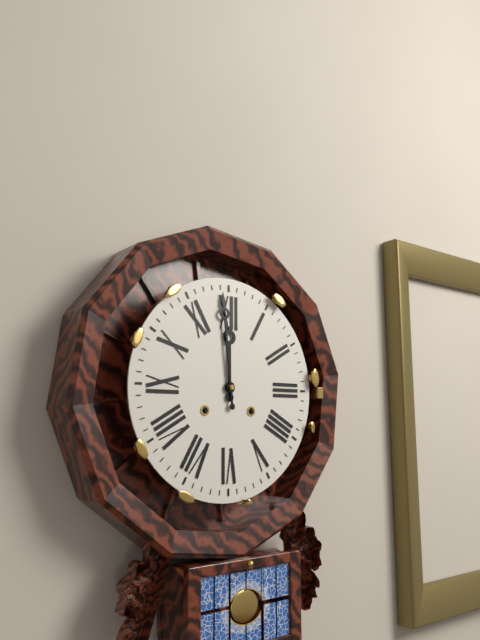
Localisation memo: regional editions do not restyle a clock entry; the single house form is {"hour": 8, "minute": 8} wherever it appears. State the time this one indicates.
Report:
{"hour": 11, "minute": 59}
